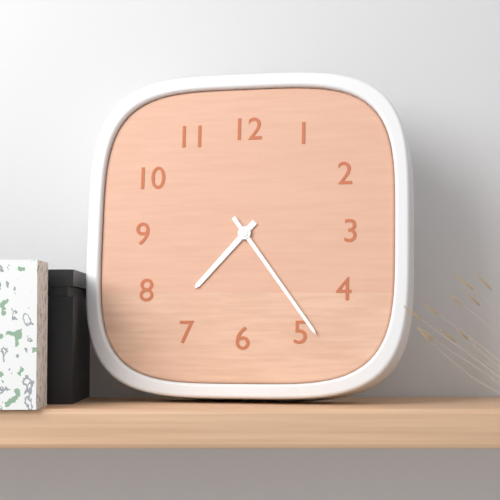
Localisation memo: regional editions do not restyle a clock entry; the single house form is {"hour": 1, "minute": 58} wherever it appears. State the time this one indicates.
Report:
{"hour": 7, "minute": 24}
